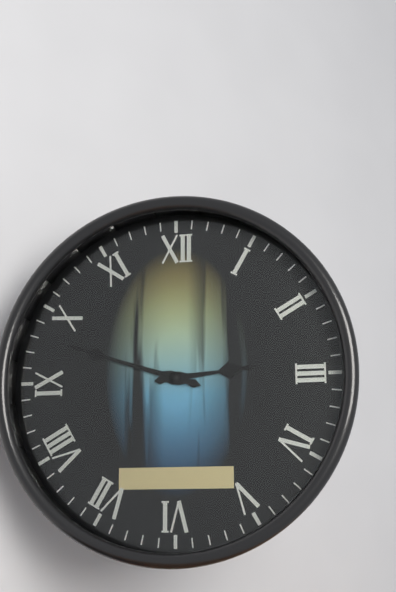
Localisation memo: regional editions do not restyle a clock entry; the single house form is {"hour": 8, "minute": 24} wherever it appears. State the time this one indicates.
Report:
{"hour": 2, "minute": 48}
